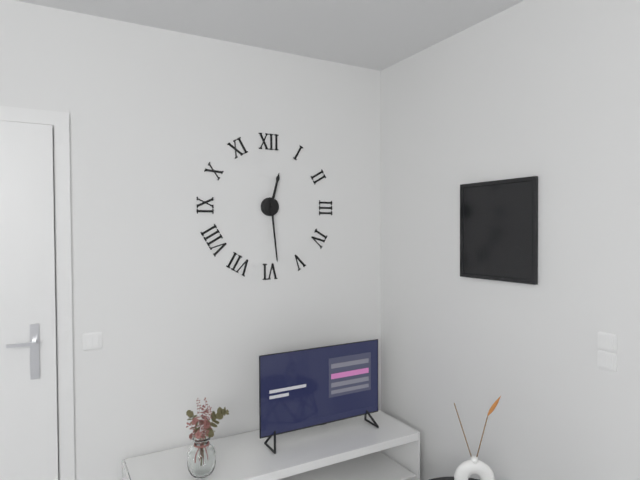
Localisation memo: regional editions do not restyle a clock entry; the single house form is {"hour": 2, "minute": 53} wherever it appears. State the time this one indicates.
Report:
{"hour": 12, "minute": 29}
